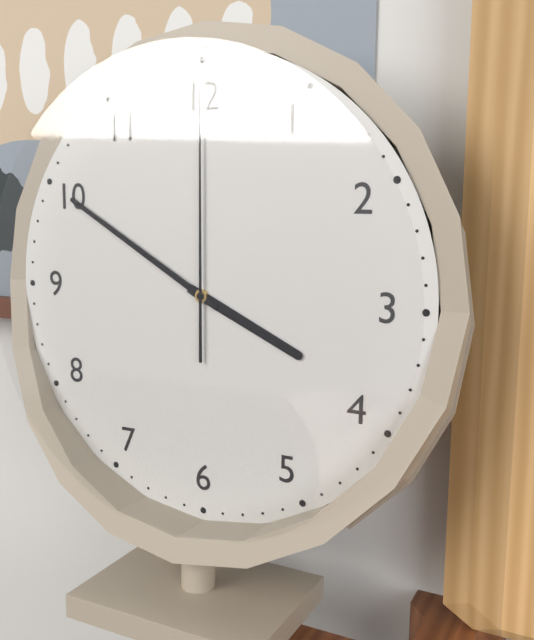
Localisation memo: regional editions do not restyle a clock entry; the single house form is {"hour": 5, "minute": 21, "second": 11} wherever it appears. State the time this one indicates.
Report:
{"hour": 3, "minute": 50, "second": 0}
